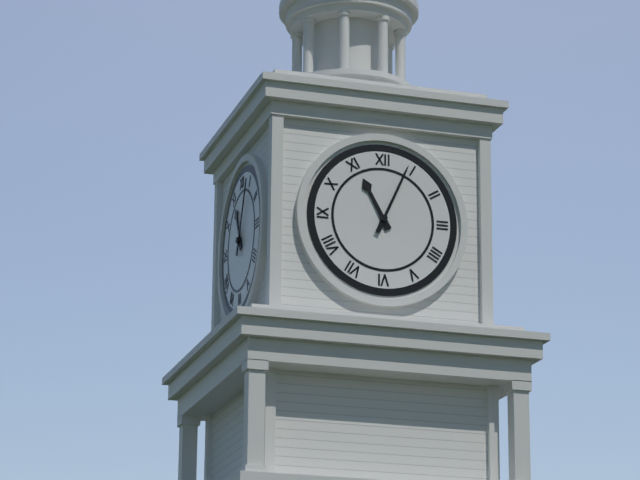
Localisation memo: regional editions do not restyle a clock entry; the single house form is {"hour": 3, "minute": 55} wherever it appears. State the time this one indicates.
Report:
{"hour": 11, "minute": 4}
